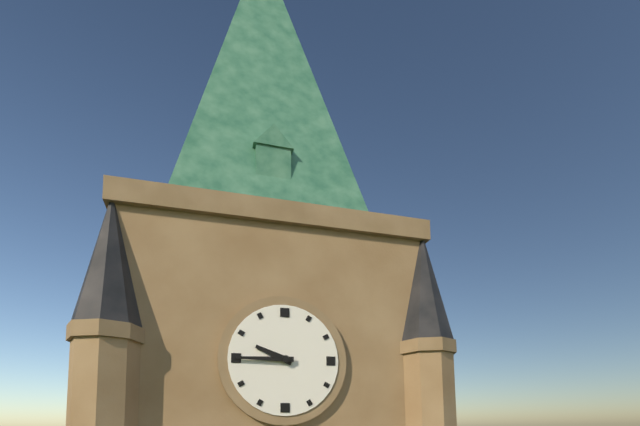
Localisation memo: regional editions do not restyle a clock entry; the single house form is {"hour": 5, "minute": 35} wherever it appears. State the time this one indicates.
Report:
{"hour": 9, "minute": 45}
